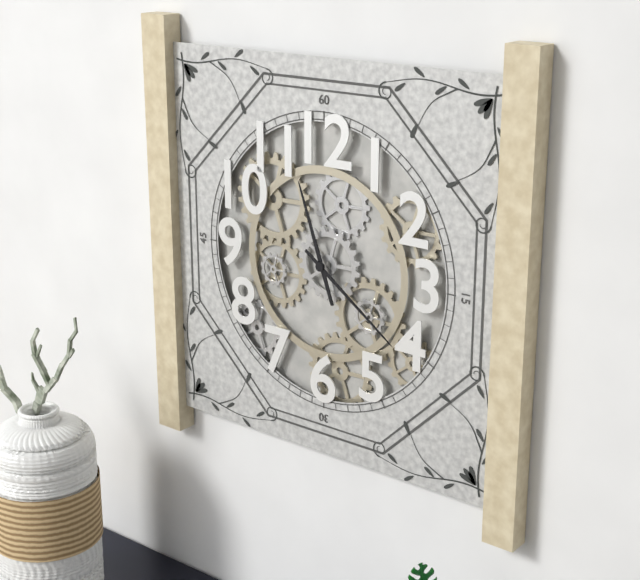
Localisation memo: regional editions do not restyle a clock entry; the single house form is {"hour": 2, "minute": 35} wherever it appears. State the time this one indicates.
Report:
{"hour": 11, "minute": 21}
